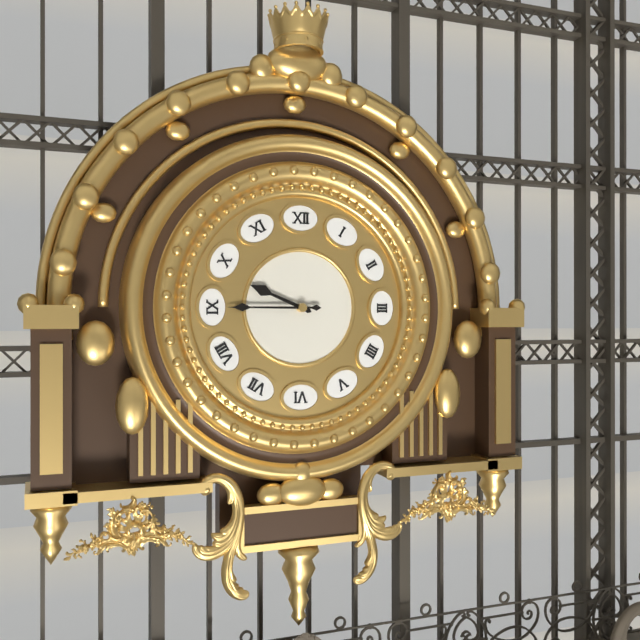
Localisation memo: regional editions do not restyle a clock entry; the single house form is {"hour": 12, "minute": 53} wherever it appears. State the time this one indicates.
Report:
{"hour": 9, "minute": 45}
